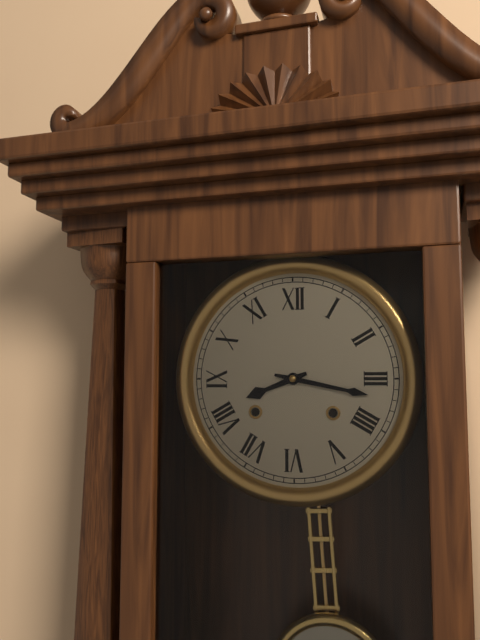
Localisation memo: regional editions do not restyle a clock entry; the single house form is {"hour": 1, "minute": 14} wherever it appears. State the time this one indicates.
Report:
{"hour": 8, "minute": 17}
